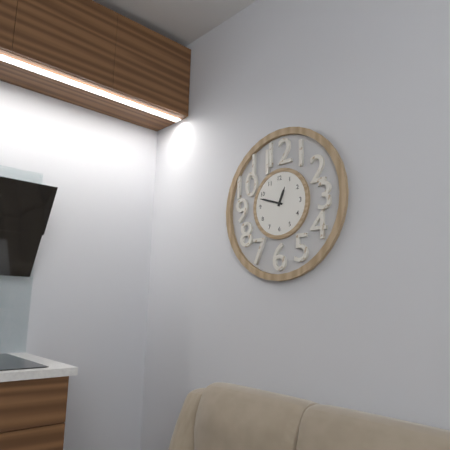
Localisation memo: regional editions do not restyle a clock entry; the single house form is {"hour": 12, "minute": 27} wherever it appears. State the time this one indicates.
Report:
{"hour": 12, "minute": 48}
